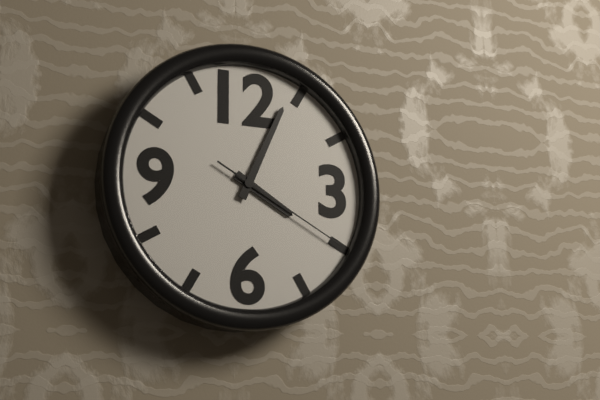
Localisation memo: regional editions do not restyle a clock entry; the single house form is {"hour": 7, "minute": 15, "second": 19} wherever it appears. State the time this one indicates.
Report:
{"hour": 4, "minute": 4, "second": 20}
